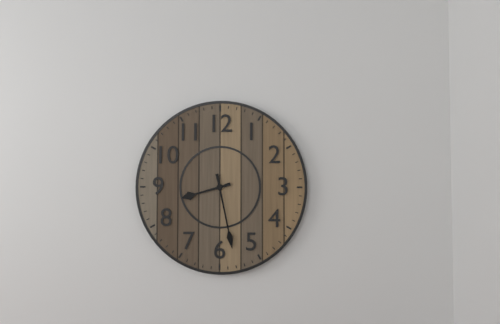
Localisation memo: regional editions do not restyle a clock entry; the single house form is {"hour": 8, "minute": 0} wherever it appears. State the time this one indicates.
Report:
{"hour": 8, "minute": 28}
